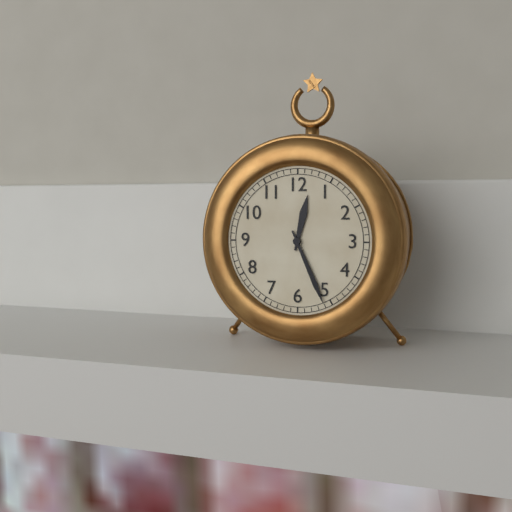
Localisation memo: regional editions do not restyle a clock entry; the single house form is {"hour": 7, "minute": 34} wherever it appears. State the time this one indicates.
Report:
{"hour": 12, "minute": 26}
